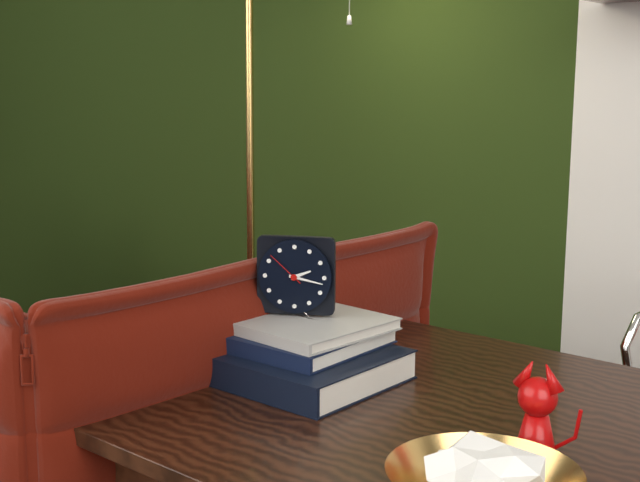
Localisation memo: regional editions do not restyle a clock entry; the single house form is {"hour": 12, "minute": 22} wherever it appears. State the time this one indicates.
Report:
{"hour": 2, "minute": 17}
